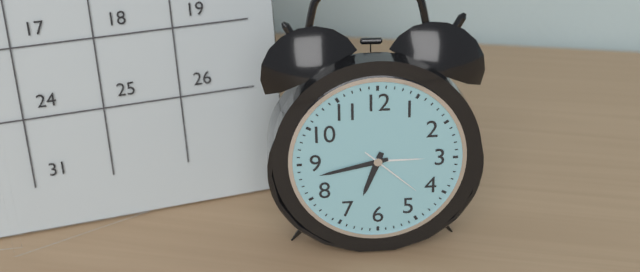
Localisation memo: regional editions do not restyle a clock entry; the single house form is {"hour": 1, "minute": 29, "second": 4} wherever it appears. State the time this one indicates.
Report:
{"hour": 6, "minute": 43, "second": 22}
